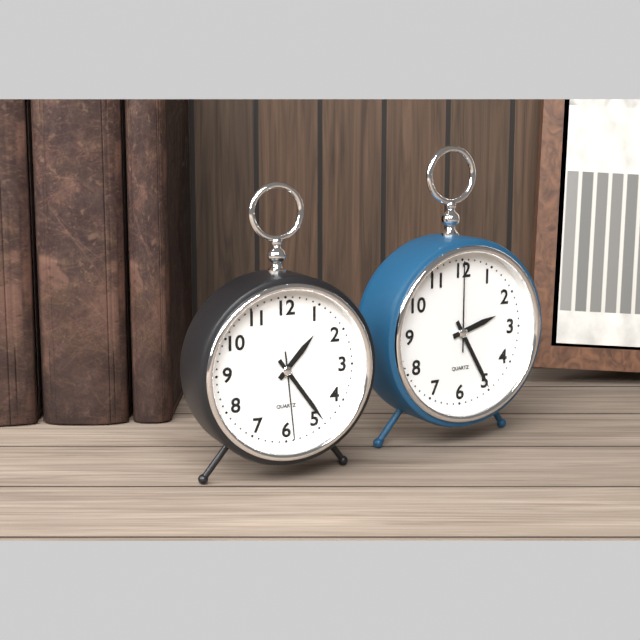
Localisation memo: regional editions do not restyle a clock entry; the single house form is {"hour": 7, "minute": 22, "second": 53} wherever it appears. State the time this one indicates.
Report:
{"hour": 1, "minute": 24, "second": 29}
